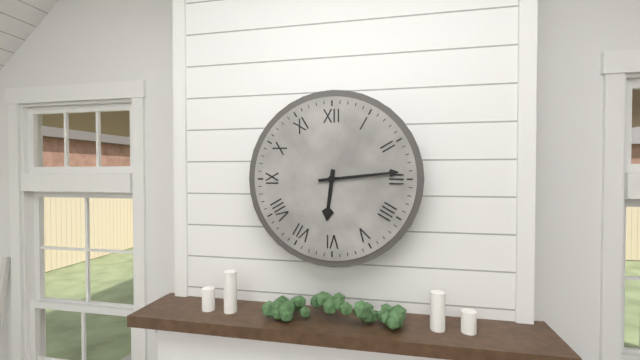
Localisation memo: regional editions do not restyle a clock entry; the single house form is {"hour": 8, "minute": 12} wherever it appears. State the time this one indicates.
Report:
{"hour": 6, "minute": 14}
